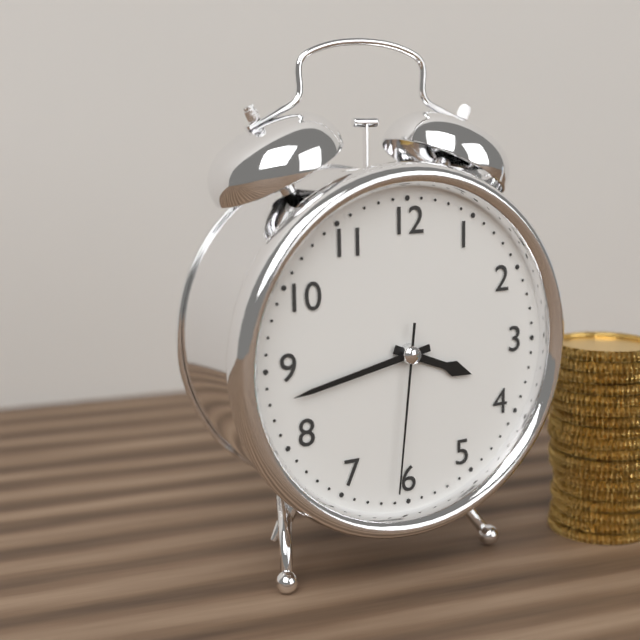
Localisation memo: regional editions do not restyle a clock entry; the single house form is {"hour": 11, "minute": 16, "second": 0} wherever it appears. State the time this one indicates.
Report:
{"hour": 3, "minute": 43, "second": 31}
